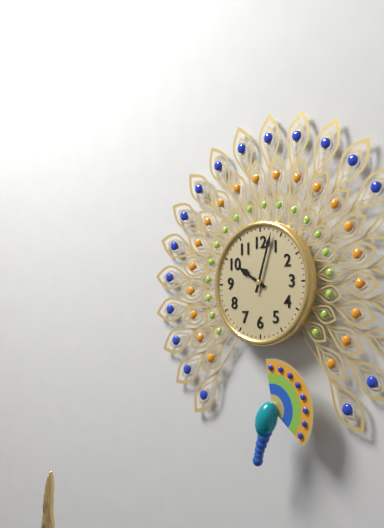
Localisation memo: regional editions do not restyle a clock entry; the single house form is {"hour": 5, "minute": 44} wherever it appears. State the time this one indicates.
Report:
{"hour": 10, "minute": 3}
